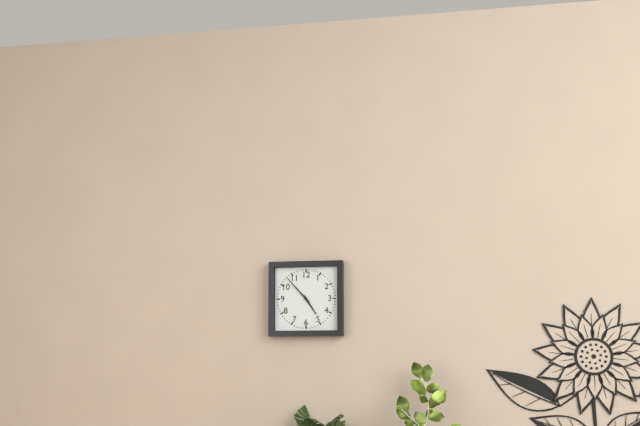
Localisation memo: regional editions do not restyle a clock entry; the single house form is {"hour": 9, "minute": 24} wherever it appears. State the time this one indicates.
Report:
{"hour": 4, "minute": 53}
